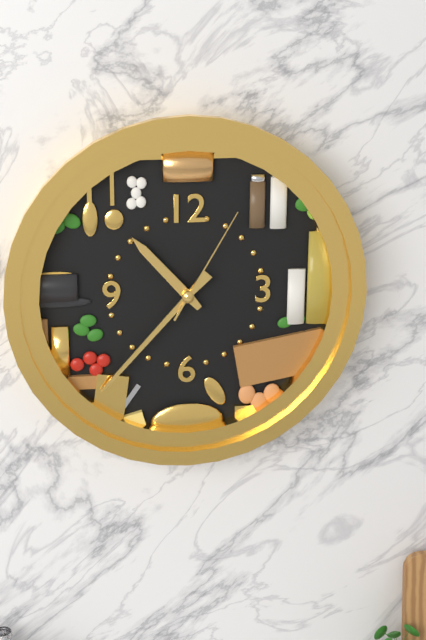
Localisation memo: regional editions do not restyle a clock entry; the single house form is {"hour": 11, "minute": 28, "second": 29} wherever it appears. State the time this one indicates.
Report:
{"hour": 10, "minute": 37, "second": 5}
